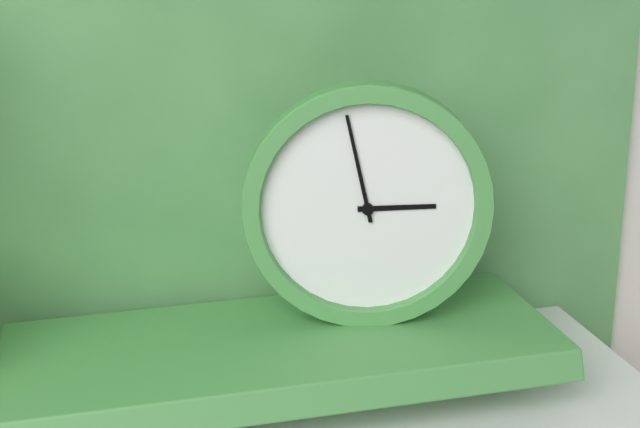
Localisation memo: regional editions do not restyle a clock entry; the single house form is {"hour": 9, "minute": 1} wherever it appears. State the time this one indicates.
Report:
{"hour": 2, "minute": 58}
